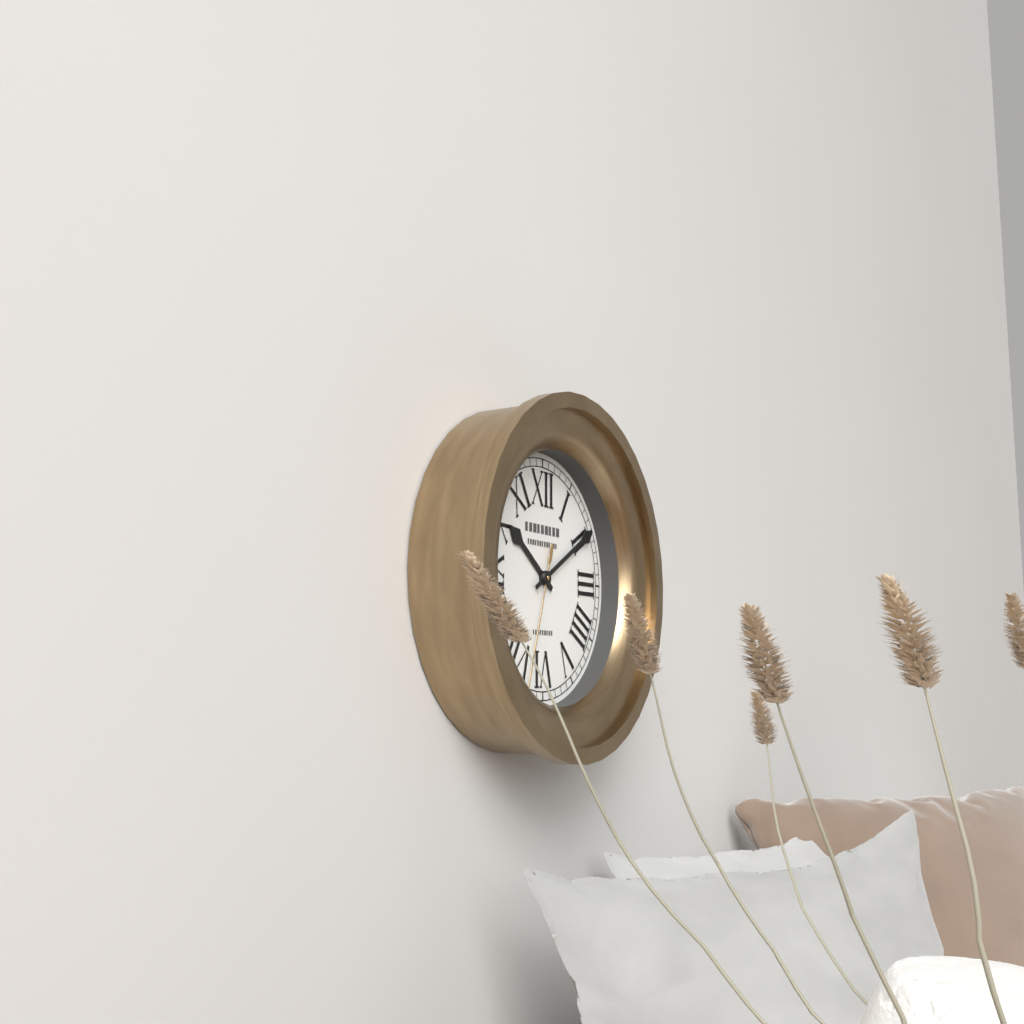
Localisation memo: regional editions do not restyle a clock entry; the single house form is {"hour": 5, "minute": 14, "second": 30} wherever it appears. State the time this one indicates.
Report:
{"hour": 10, "minute": 10, "second": 33}
